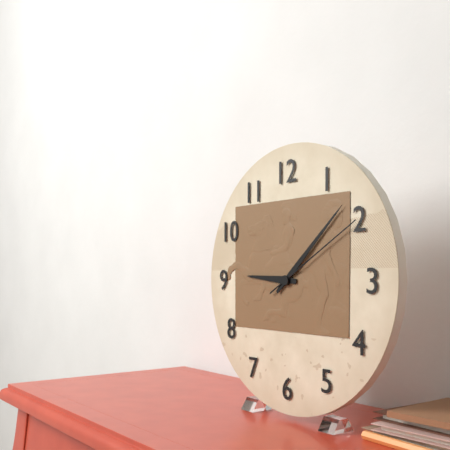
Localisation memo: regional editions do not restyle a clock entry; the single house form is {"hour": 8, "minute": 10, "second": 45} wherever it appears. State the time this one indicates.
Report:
{"hour": 9, "minute": 8, "second": 10}
